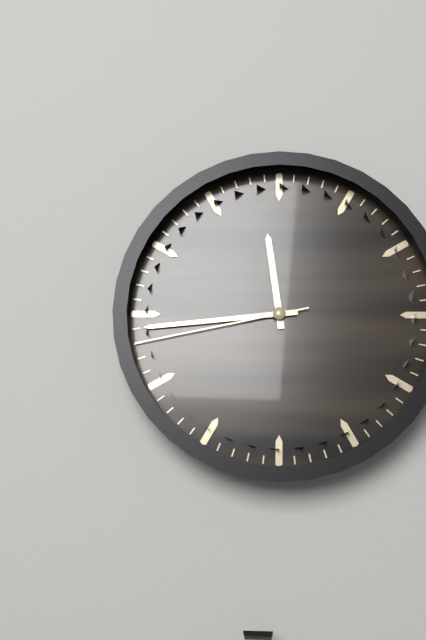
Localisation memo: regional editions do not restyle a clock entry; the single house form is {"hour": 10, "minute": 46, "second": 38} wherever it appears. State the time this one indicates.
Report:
{"hour": 11, "minute": 44, "second": 43}
